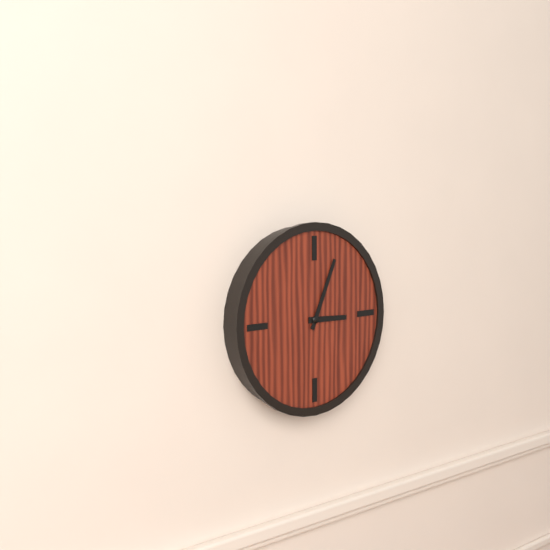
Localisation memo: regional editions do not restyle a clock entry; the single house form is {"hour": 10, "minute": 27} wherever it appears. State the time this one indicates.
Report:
{"hour": 3, "minute": 4}
